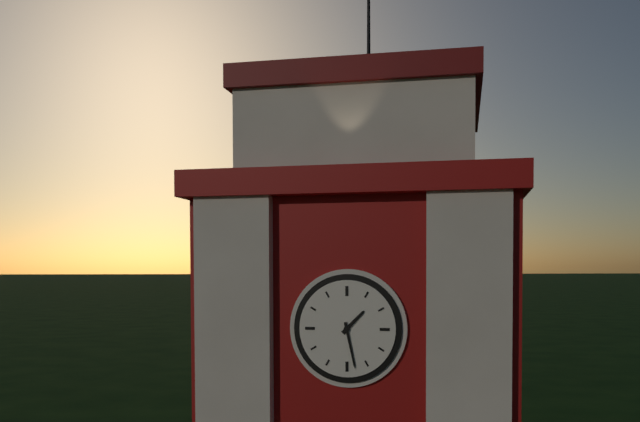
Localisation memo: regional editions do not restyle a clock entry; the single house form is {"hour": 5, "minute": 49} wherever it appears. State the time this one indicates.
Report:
{"hour": 1, "minute": 28}
